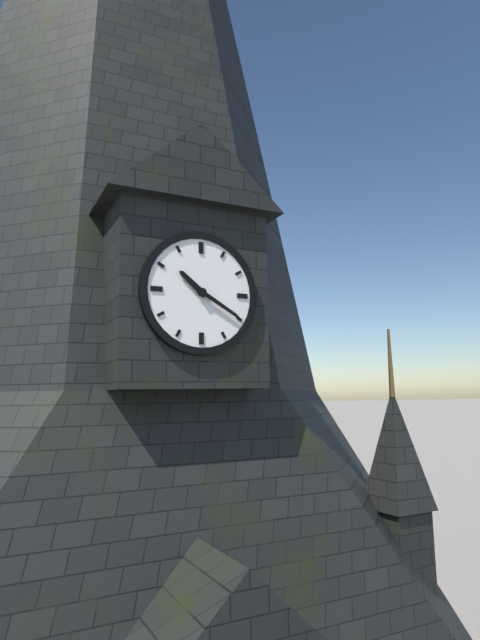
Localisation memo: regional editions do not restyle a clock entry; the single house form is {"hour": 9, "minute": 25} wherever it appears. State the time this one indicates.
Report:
{"hour": 10, "minute": 20}
